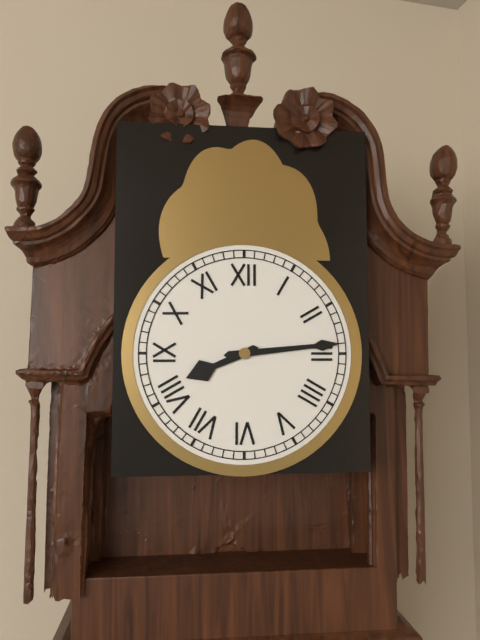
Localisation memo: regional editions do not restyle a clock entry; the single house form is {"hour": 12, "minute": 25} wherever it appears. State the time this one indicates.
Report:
{"hour": 8, "minute": 14}
